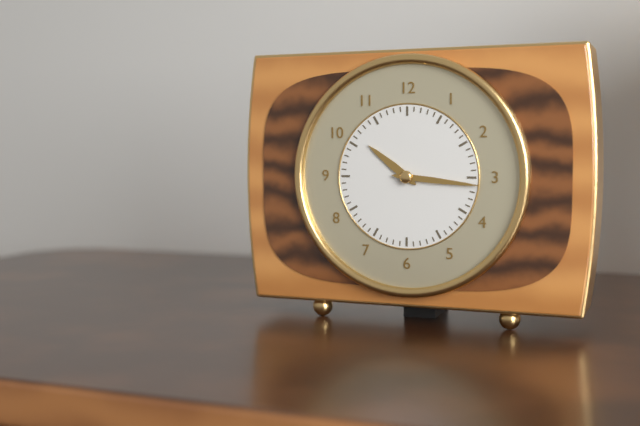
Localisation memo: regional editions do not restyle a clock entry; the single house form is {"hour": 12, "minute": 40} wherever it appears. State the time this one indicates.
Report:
{"hour": 10, "minute": 16}
